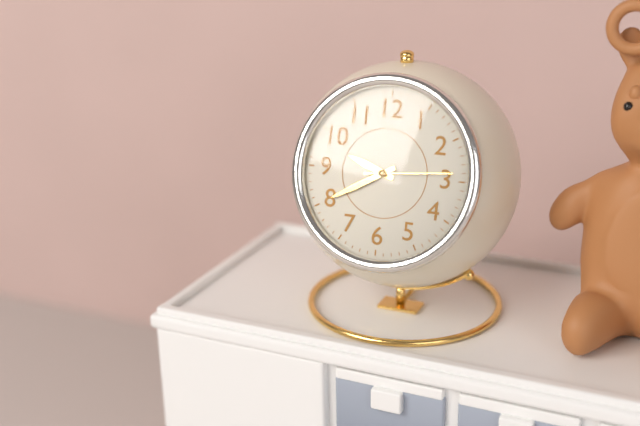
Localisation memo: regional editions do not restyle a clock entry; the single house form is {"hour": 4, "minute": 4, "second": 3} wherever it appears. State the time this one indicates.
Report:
{"hour": 9, "minute": 40, "second": 14}
